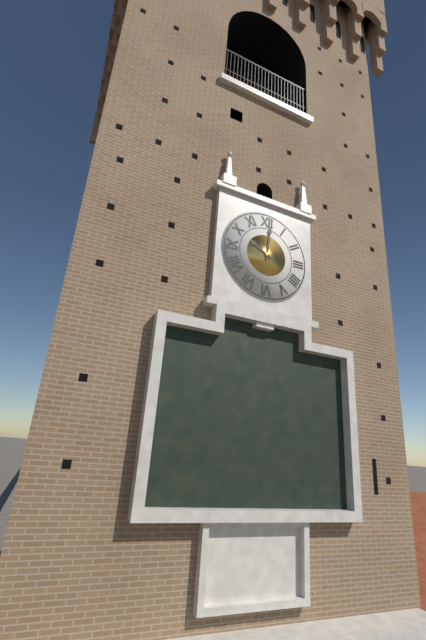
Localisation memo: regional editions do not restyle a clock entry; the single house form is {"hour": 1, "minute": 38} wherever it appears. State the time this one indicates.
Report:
{"hour": 10, "minute": 1}
